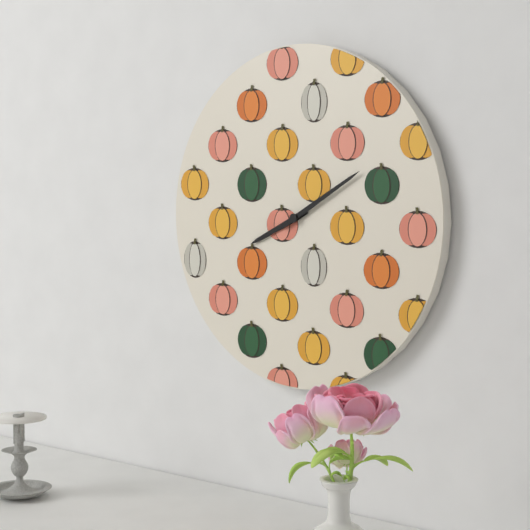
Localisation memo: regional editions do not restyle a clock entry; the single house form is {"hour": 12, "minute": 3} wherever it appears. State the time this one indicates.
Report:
{"hour": 8, "minute": 10}
